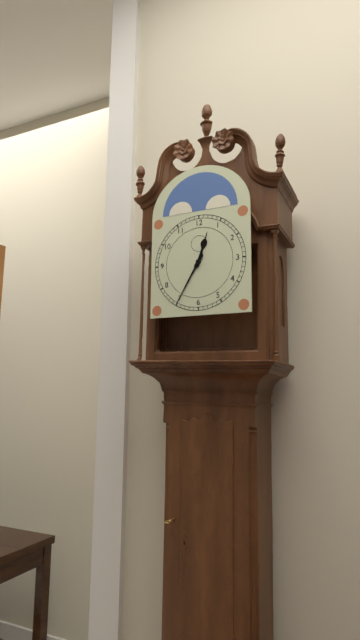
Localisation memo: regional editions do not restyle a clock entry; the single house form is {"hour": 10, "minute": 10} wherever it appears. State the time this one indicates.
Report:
{"hour": 12, "minute": 35}
